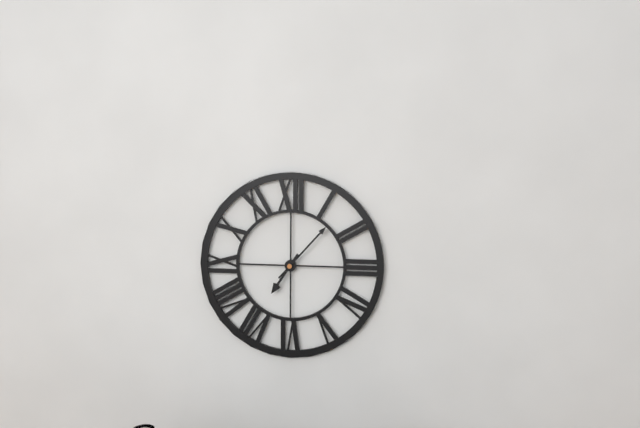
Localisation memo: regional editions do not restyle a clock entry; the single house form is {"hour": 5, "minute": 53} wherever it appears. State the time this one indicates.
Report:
{"hour": 7, "minute": 7}
